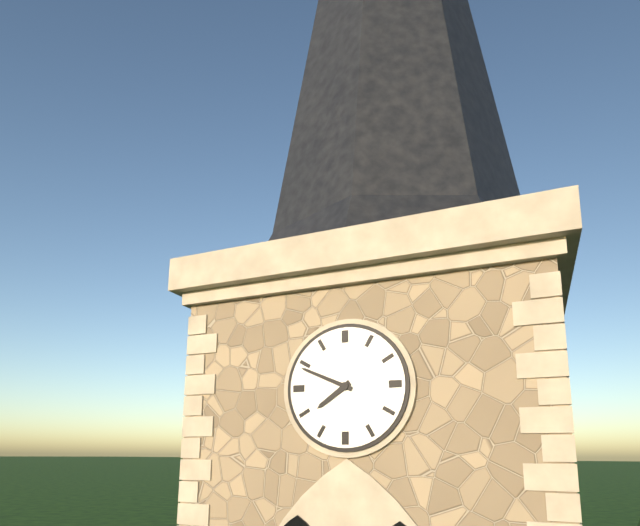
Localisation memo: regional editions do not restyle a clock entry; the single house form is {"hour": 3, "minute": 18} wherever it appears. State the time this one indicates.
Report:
{"hour": 7, "minute": 49}
